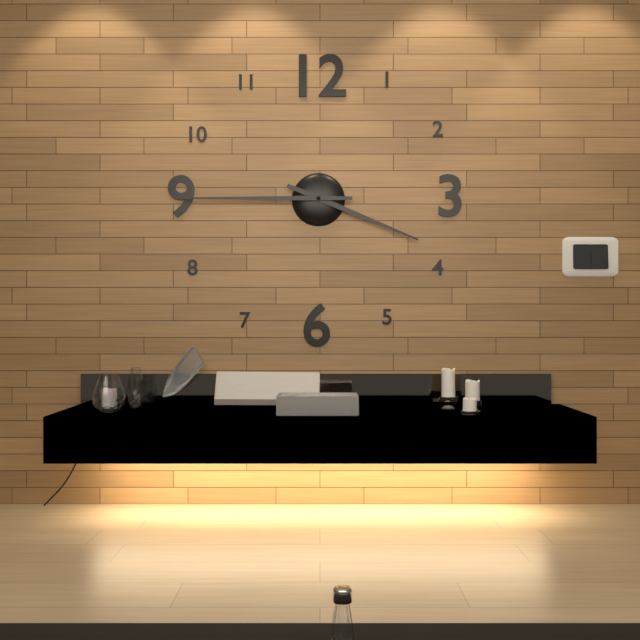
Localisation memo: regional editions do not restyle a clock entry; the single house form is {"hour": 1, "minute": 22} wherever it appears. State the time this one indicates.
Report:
{"hour": 3, "minute": 45}
